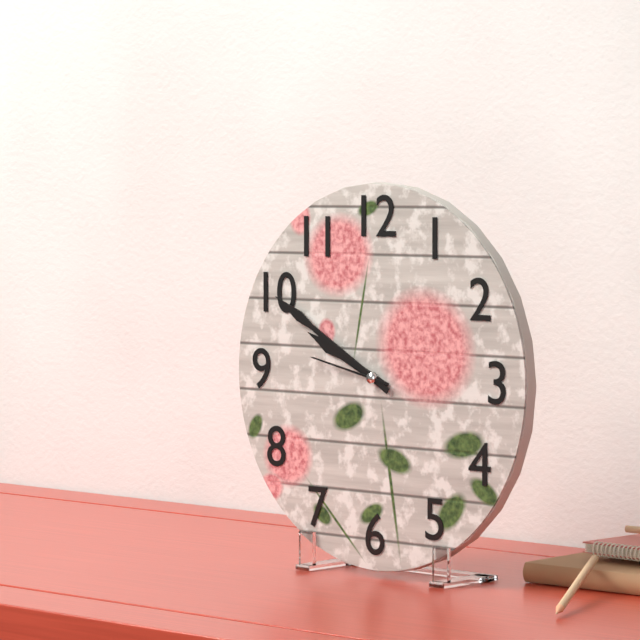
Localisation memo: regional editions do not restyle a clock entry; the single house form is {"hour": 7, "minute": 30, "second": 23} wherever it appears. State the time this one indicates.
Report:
{"hour": 9, "minute": 50, "second": 47}
